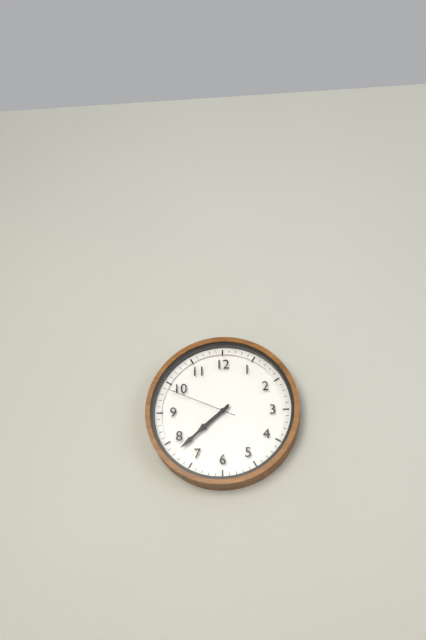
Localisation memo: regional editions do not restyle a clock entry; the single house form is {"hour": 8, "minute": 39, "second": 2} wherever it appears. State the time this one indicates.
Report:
{"hour": 7, "minute": 38, "second": 49}
